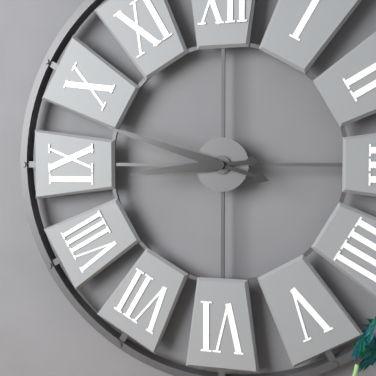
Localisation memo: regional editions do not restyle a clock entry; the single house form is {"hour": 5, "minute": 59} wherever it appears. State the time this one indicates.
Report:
{"hour": 8, "minute": 48}
